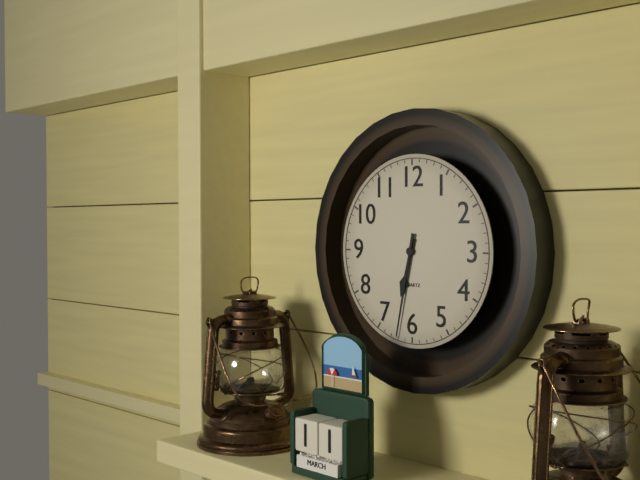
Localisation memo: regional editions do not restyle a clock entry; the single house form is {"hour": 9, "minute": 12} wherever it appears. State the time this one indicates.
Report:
{"hour": 6, "minute": 32}
